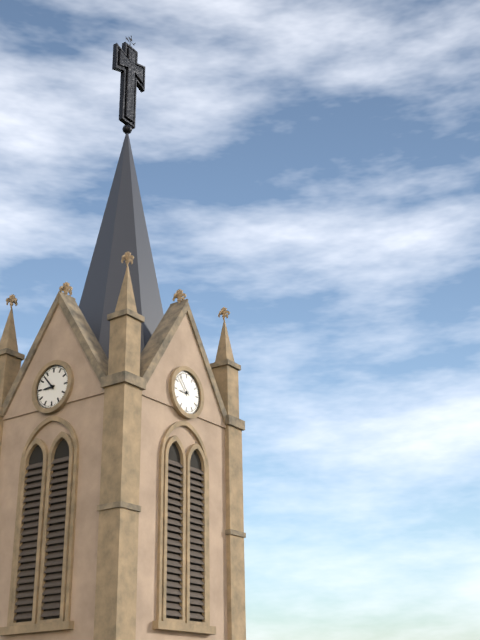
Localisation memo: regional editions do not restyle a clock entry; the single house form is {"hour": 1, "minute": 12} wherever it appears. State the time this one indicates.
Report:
{"hour": 8, "minute": 53}
